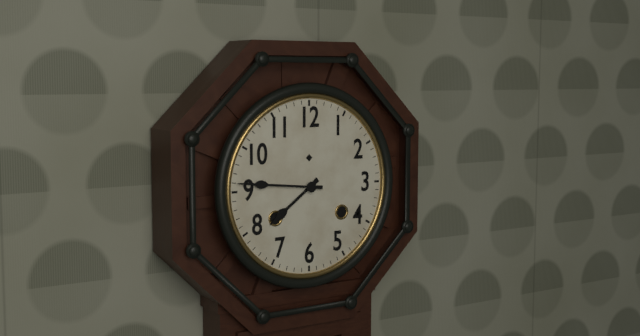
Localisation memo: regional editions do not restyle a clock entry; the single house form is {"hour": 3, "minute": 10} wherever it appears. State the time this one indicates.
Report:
{"hour": 7, "minute": 46}
